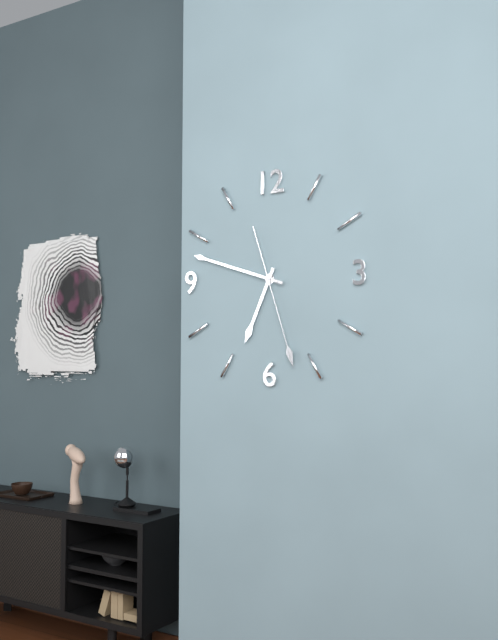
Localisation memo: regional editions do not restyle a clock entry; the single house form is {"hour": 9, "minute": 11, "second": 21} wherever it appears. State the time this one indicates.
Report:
{"hour": 6, "minute": 48, "second": 27}
